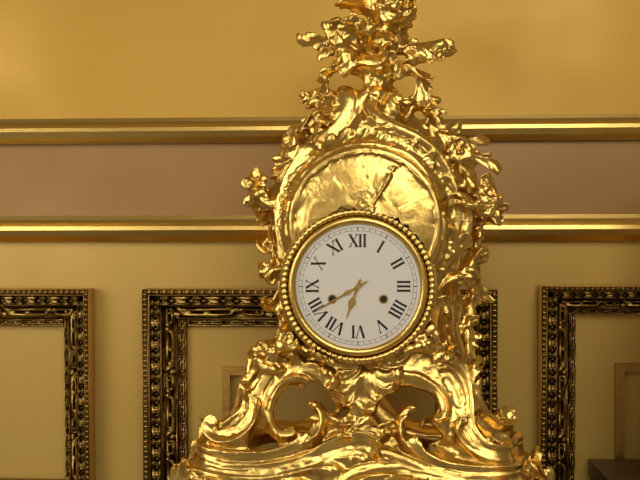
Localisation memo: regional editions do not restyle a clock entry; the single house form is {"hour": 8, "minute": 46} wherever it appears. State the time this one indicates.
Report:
{"hour": 6, "minute": 40}
